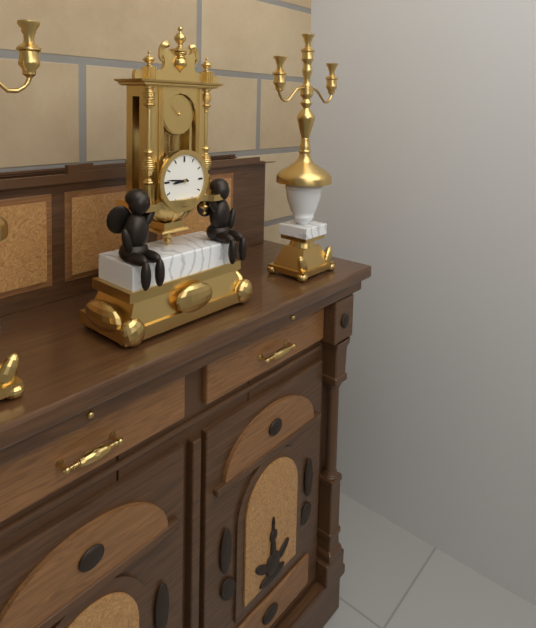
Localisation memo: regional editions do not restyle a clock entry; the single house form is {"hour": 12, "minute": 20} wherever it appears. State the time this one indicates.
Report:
{"hour": 8, "minute": 46}
